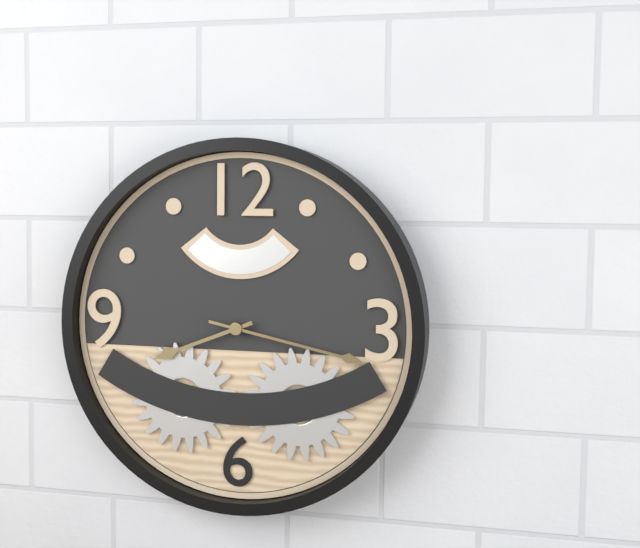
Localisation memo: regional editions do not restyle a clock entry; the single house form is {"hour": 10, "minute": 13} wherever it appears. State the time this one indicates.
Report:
{"hour": 8, "minute": 17}
